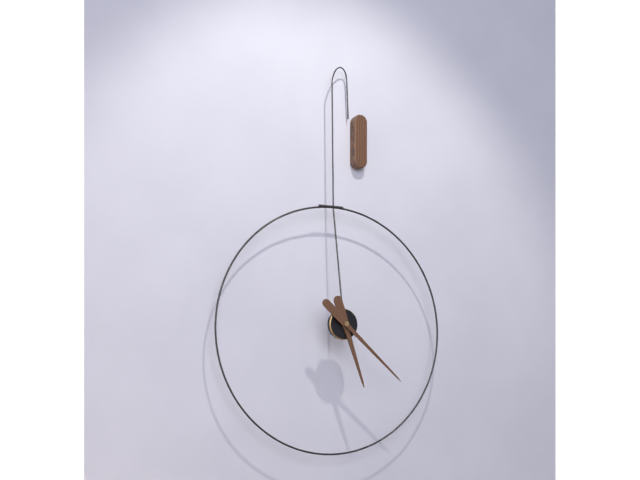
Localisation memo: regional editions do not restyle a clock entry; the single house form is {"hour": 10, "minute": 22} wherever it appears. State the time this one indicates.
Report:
{"hour": 5, "minute": 22}
